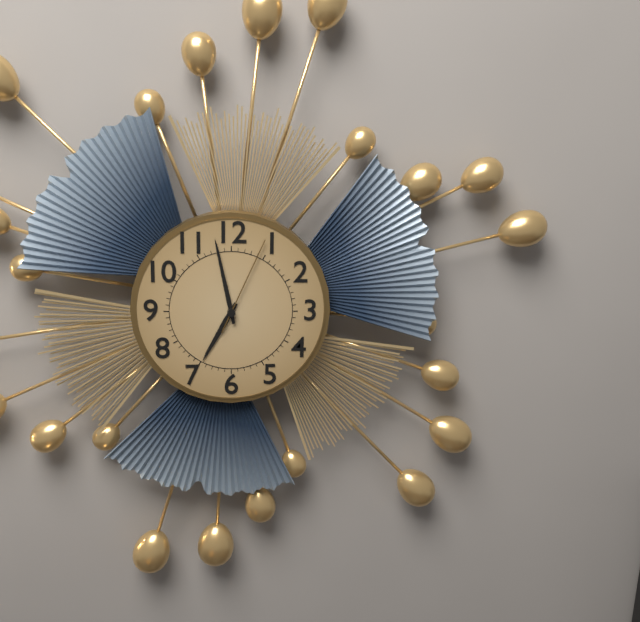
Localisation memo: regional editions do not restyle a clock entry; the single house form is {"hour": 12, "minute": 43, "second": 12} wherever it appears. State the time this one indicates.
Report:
{"hour": 6, "minute": 58, "second": 4}
